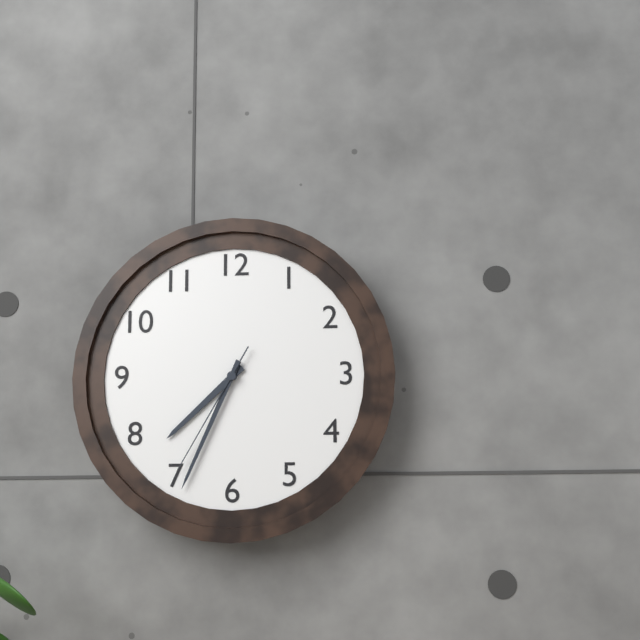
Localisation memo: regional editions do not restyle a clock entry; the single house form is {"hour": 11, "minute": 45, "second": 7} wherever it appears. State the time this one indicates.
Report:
{"hour": 7, "minute": 34, "second": 35}
